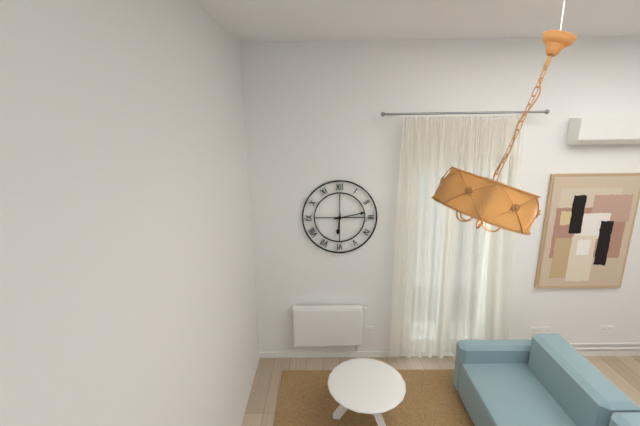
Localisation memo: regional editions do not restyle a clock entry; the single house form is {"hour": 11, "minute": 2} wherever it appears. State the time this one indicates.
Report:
{"hour": 6, "minute": 13}
